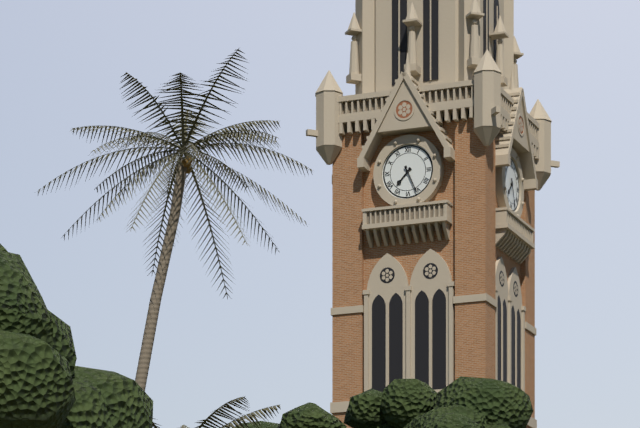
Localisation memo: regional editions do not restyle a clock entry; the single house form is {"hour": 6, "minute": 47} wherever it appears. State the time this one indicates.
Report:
{"hour": 7, "minute": 26}
